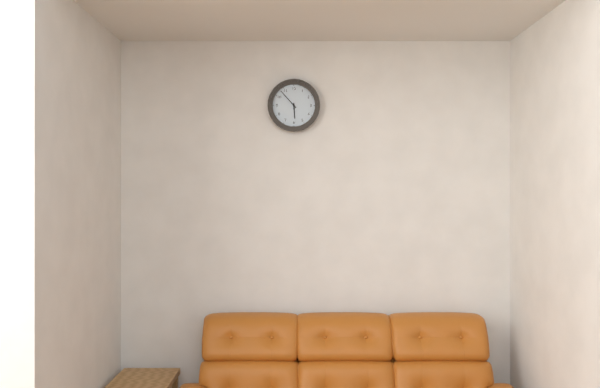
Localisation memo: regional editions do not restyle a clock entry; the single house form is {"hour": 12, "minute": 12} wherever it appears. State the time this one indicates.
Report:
{"hour": 5, "minute": 53}
